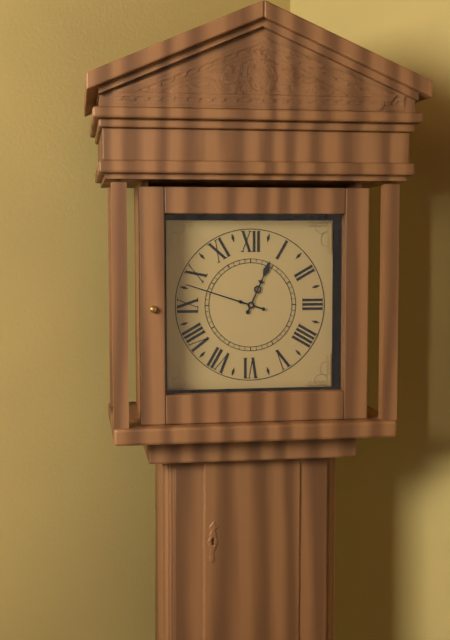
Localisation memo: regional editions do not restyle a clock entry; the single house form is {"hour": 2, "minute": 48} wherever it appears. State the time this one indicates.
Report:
{"hour": 12, "minute": 48}
